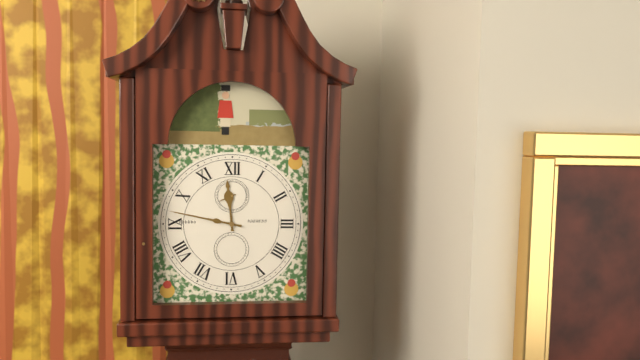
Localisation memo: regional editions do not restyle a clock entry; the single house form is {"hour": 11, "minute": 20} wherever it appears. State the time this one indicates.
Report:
{"hour": 11, "minute": 47}
